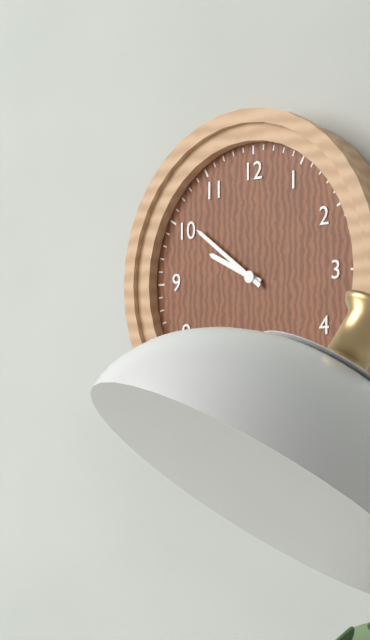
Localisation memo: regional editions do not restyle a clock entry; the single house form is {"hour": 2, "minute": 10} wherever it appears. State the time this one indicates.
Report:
{"hour": 9, "minute": 51}
